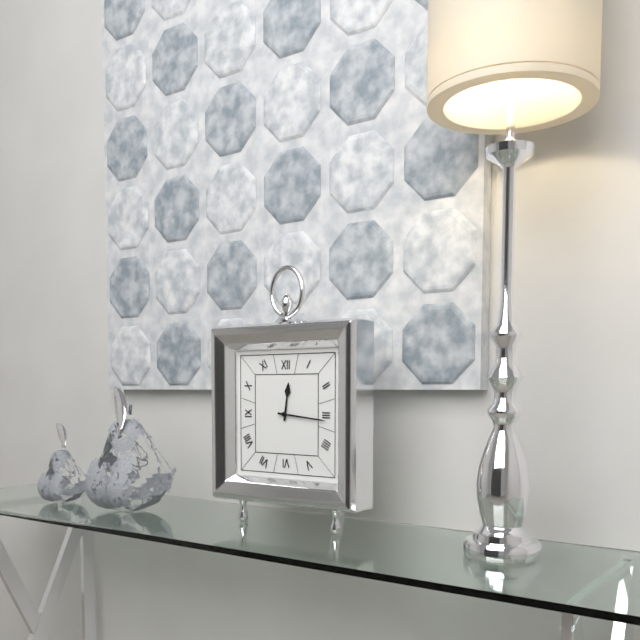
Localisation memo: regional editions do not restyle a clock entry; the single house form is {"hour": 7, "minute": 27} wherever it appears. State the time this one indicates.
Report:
{"hour": 12, "minute": 16}
